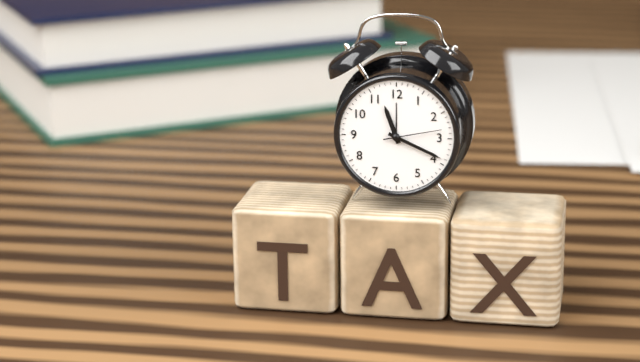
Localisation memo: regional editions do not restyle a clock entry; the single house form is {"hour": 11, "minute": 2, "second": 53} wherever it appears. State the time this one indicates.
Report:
{"hour": 11, "minute": 19, "second": 13}
